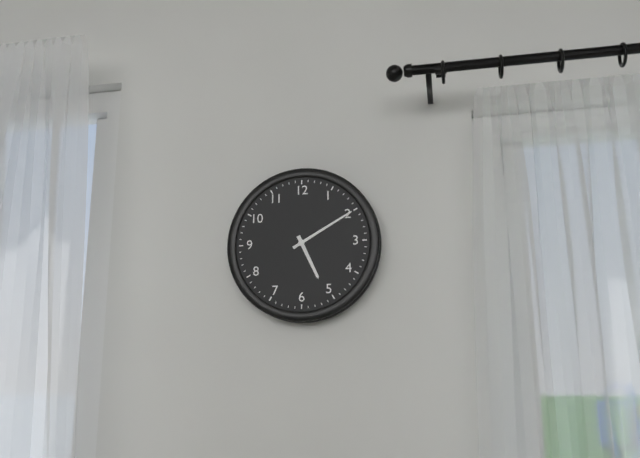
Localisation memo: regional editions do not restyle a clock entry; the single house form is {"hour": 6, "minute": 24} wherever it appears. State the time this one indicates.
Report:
{"hour": 5, "minute": 10}
